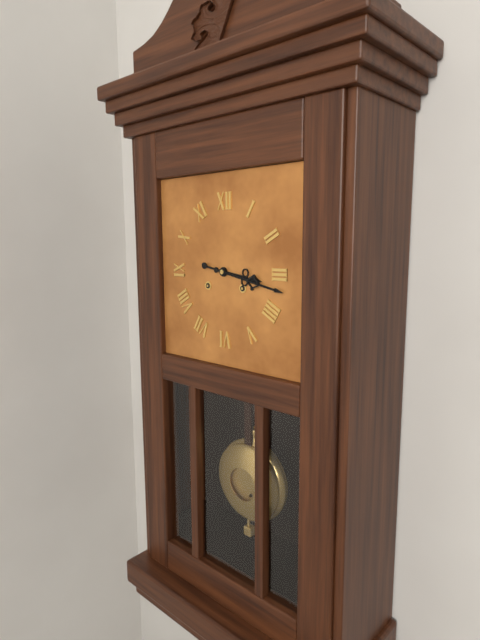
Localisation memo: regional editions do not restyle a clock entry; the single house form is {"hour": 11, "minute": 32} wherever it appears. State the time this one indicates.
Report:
{"hour": 3, "minute": 17}
